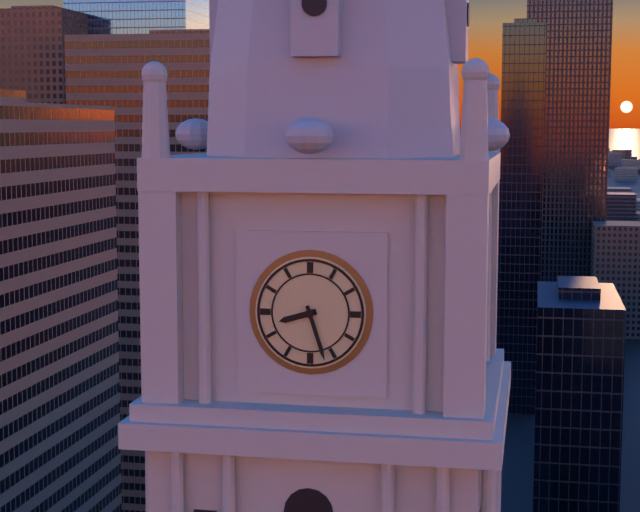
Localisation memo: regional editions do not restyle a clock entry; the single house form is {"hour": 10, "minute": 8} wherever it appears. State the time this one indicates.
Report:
{"hour": 8, "minute": 27}
